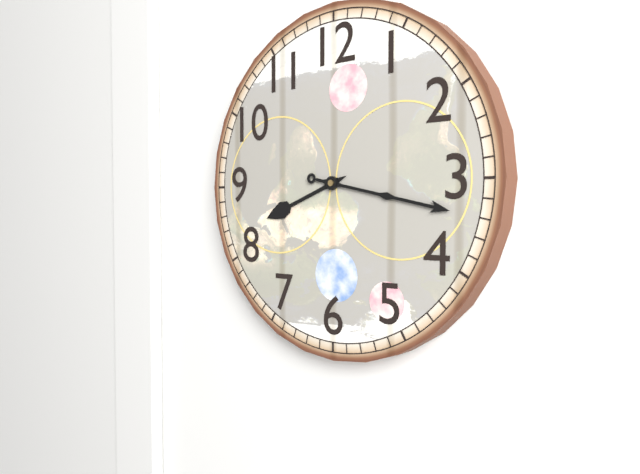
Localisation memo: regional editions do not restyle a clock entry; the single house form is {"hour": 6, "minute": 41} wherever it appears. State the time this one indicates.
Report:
{"hour": 8, "minute": 17}
